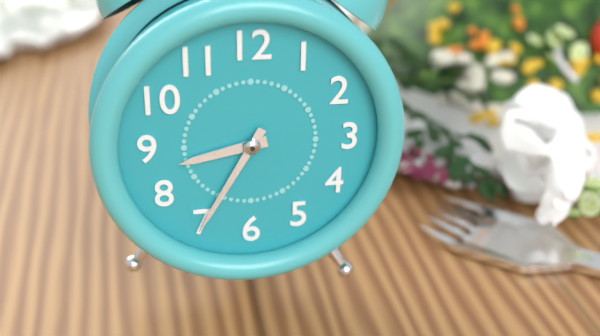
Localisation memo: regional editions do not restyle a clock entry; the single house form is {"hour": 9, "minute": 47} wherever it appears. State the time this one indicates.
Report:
{"hour": 8, "minute": 35}
